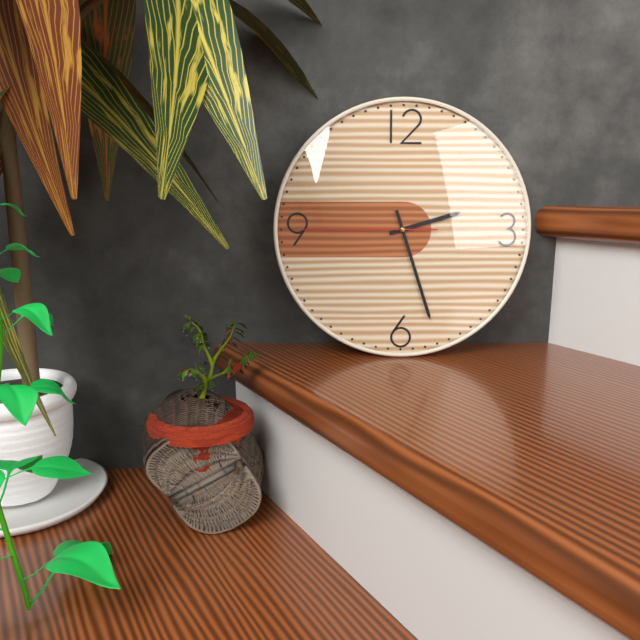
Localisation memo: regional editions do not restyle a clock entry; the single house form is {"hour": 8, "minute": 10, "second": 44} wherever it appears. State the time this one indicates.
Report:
{"hour": 2, "minute": 27, "second": 45}
